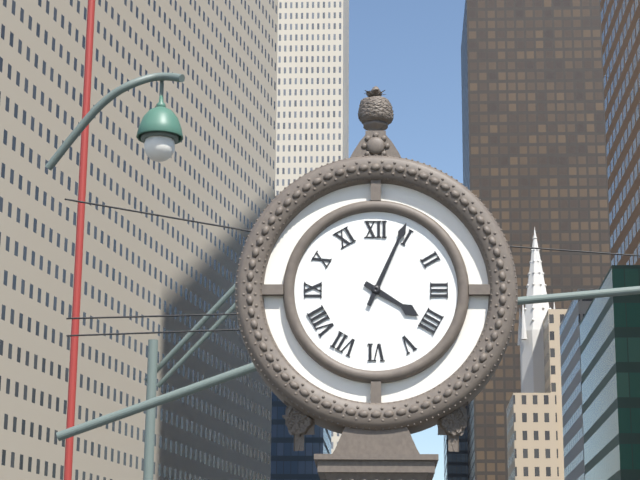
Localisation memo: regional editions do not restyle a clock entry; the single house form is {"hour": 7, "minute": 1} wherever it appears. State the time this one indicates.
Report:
{"hour": 4, "minute": 4}
